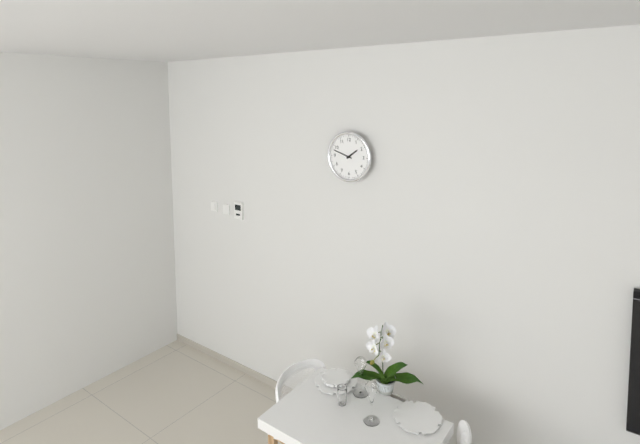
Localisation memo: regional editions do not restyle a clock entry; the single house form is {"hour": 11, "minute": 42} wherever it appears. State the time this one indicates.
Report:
{"hour": 1, "minute": 48}
